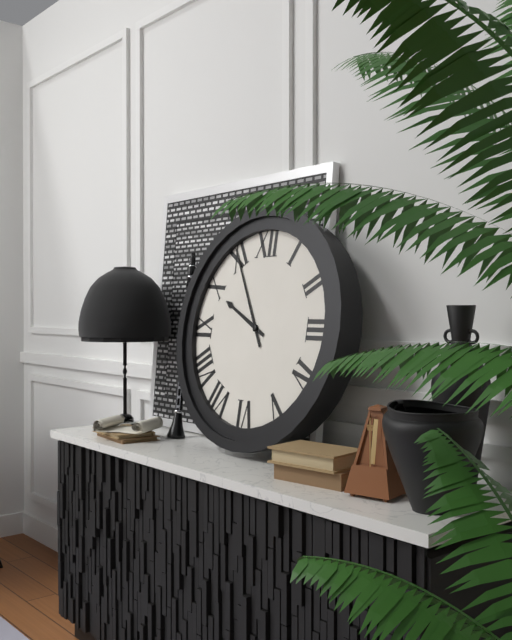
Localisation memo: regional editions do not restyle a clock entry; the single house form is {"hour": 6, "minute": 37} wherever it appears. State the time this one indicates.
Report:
{"hour": 9, "minute": 55}
